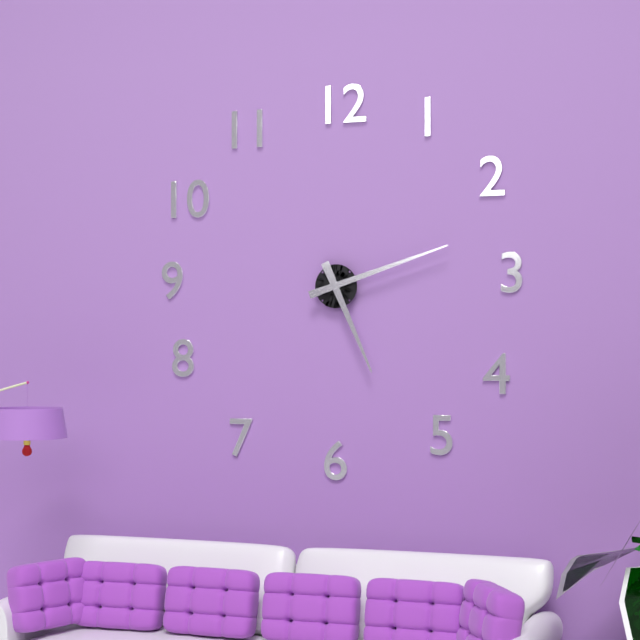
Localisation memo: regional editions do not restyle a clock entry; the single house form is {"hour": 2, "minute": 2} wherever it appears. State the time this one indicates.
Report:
{"hour": 5, "minute": 12}
